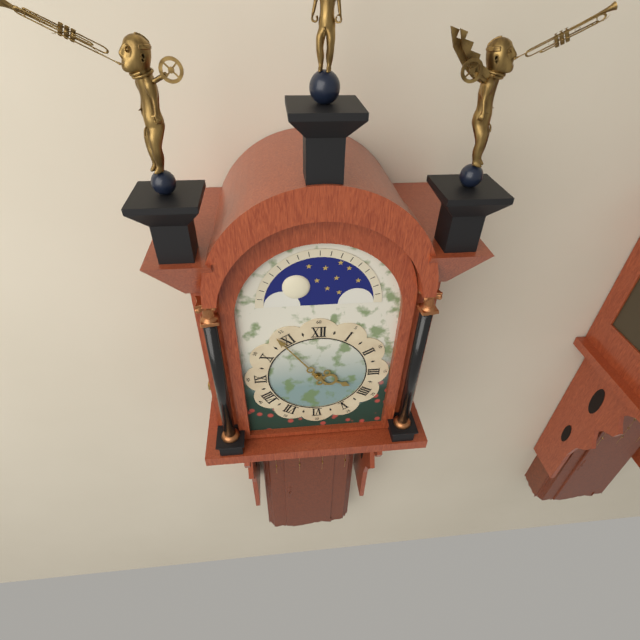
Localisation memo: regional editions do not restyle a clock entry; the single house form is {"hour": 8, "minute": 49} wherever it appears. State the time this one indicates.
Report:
{"hour": 3, "minute": 54}
